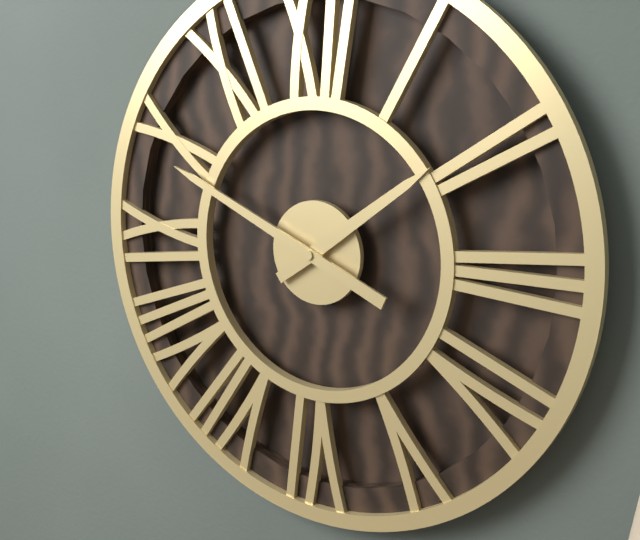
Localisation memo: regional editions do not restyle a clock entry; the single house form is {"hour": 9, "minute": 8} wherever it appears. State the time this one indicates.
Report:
{"hour": 1, "minute": 49}
